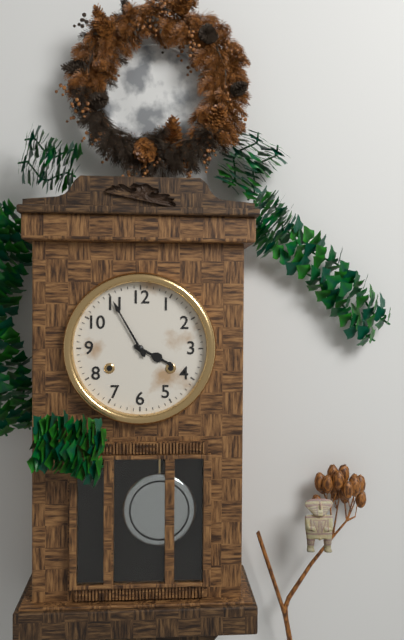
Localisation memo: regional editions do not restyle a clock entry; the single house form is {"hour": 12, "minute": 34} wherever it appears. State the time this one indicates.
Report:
{"hour": 3, "minute": 55}
